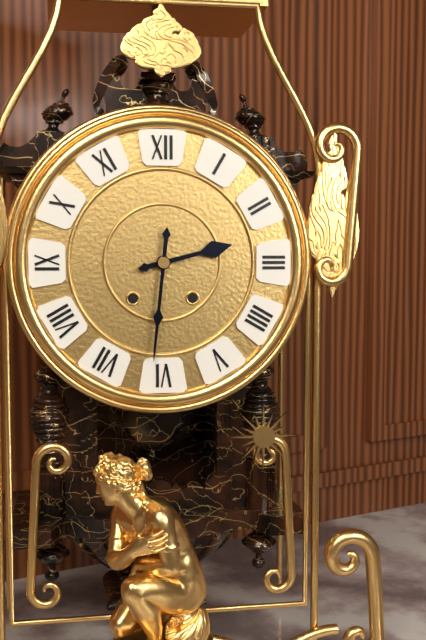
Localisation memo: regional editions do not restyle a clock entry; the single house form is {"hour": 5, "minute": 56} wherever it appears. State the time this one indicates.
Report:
{"hour": 2, "minute": 31}
